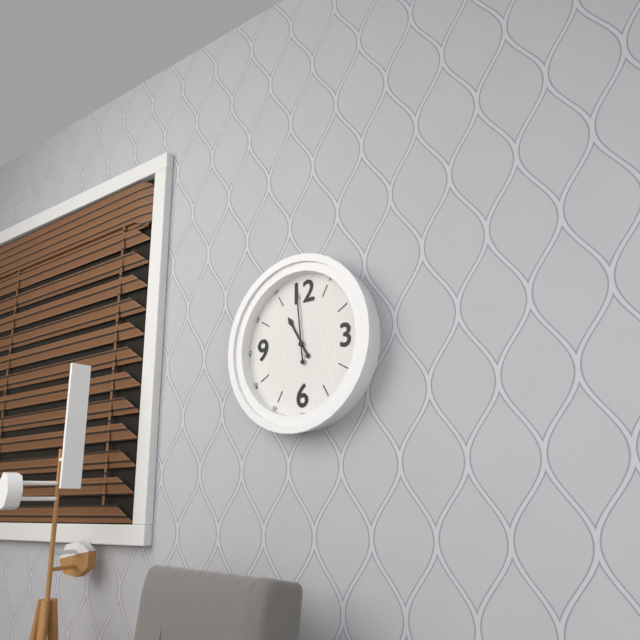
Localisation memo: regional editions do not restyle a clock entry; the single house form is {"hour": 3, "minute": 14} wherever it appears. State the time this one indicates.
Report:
{"hour": 10, "minute": 59}
